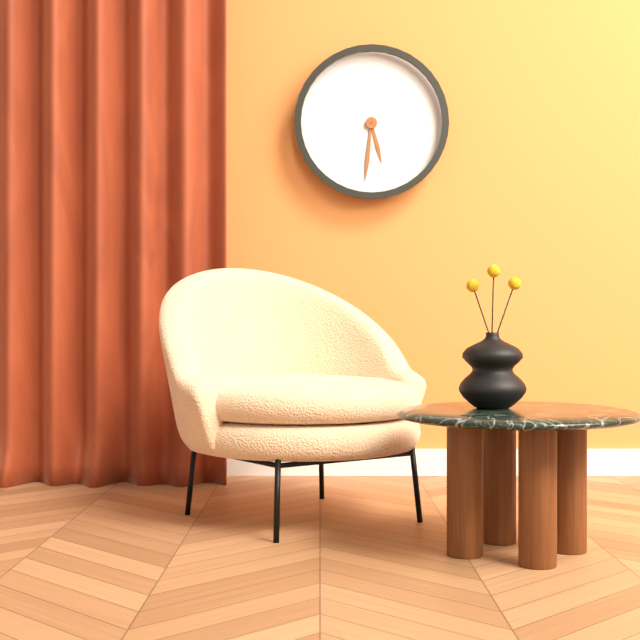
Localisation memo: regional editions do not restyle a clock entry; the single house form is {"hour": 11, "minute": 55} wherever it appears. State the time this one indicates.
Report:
{"hour": 5, "minute": 31}
